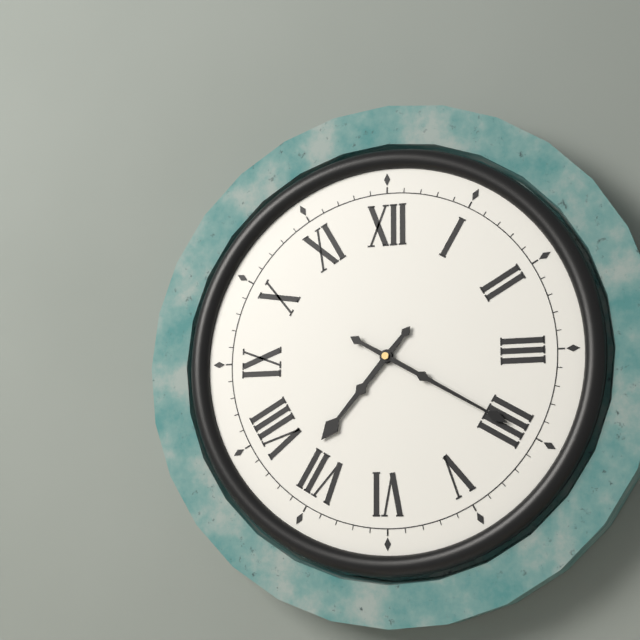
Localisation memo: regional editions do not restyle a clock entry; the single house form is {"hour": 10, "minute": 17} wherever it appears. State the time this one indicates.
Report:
{"hour": 7, "minute": 20}
